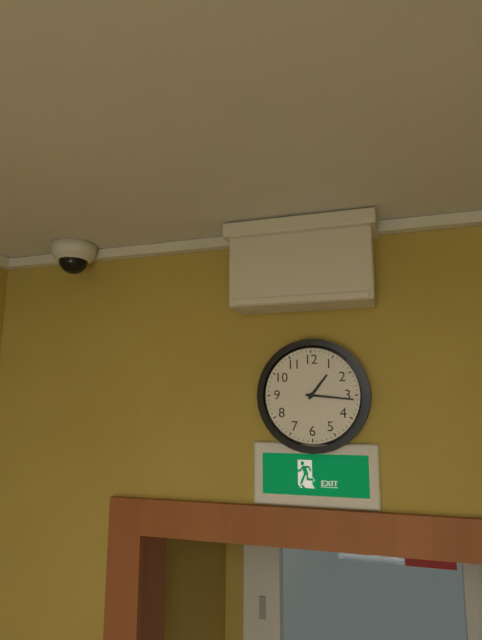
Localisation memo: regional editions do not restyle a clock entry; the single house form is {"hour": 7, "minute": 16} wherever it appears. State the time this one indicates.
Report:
{"hour": 1, "minute": 16}
